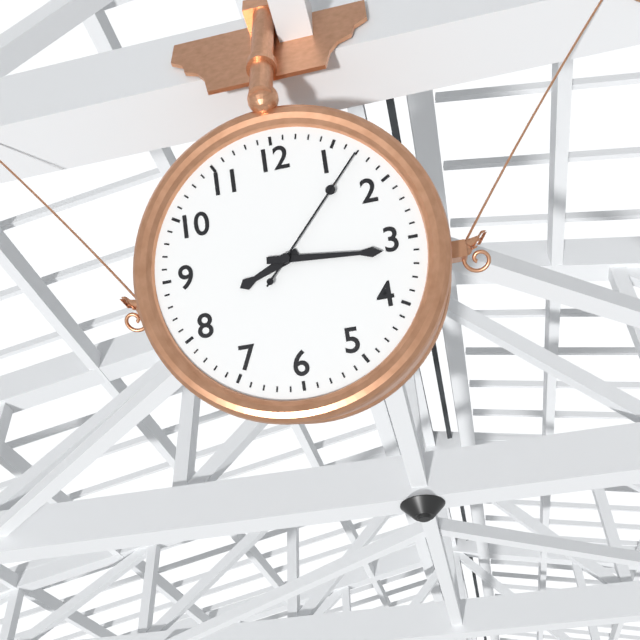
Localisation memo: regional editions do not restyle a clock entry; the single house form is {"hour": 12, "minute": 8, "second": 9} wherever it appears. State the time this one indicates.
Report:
{"hour": 8, "minute": 16, "second": 7}
